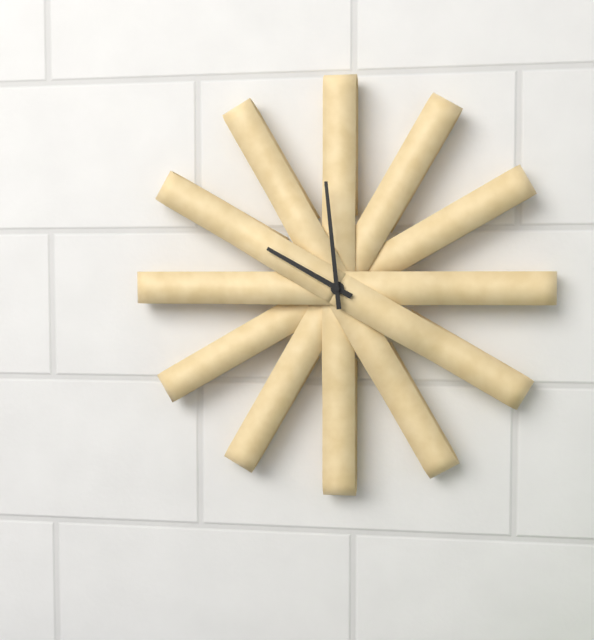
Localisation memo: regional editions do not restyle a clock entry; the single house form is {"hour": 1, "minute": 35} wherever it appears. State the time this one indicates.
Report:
{"hour": 9, "minute": 59}
